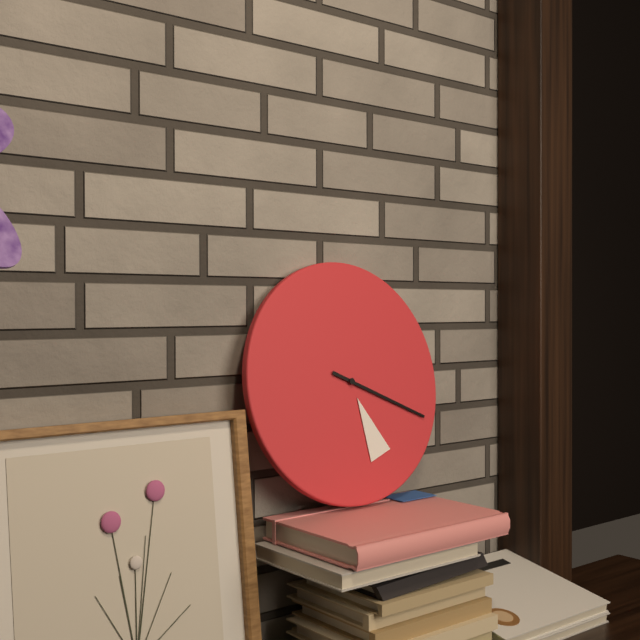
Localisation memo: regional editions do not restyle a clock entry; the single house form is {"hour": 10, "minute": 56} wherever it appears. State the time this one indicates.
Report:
{"hour": 5, "minute": 19}
